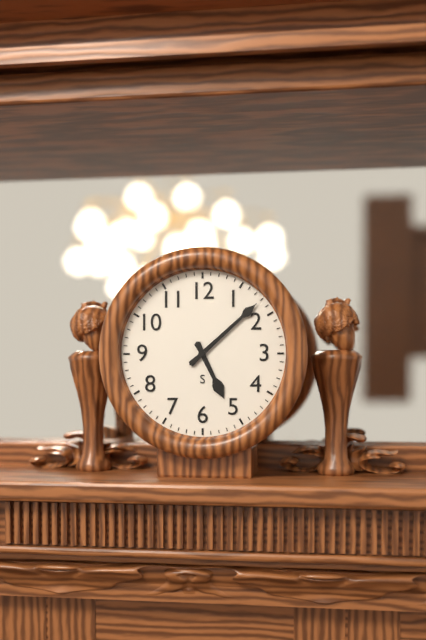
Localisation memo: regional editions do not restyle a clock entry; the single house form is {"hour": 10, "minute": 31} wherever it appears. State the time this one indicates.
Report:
{"hour": 5, "minute": 8}
